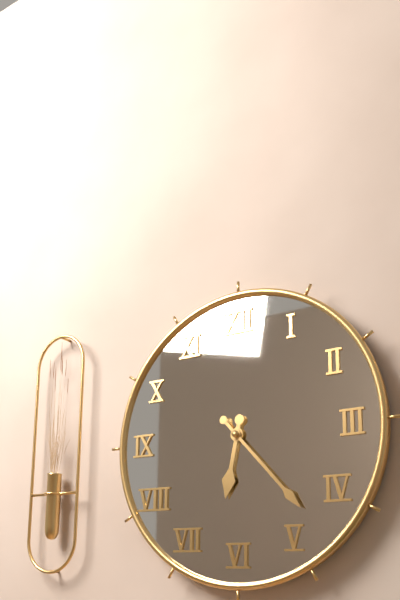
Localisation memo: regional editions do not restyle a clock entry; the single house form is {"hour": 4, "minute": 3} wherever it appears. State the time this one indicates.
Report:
{"hour": 6, "minute": 23}
